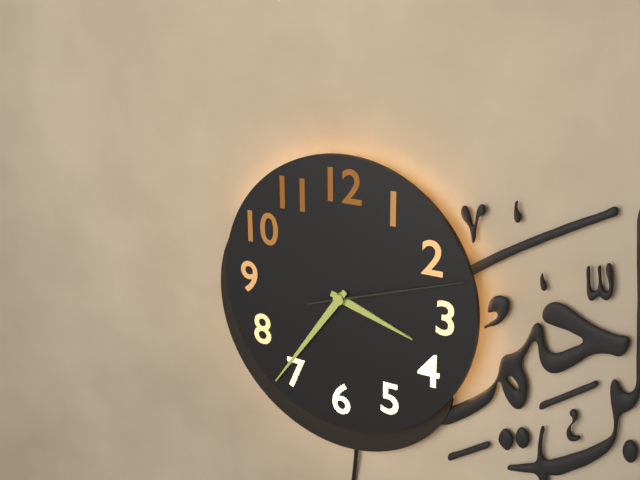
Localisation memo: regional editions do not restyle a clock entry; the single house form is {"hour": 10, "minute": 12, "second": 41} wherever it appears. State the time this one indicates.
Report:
{"hour": 3, "minute": 36, "second": 12}
